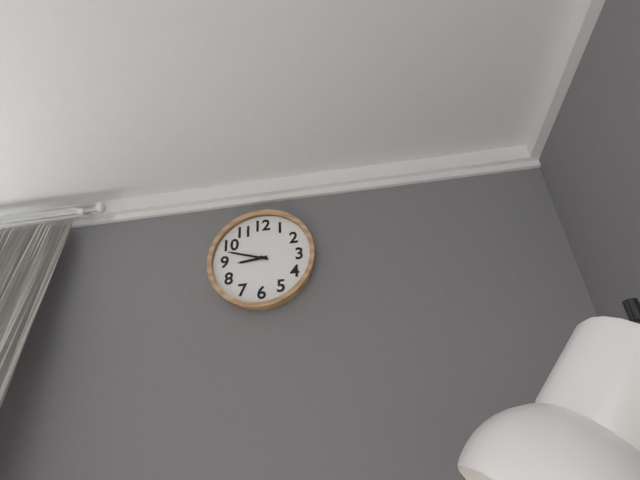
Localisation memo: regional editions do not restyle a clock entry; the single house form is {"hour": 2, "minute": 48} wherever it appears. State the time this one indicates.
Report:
{"hour": 8, "minute": 48}
